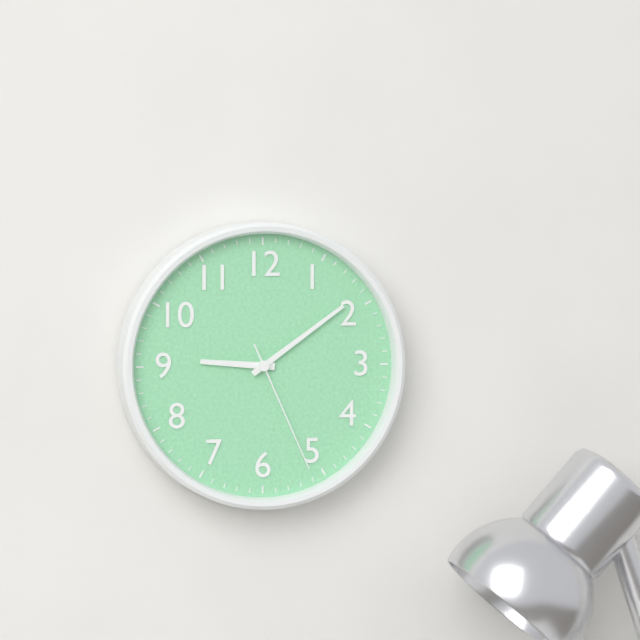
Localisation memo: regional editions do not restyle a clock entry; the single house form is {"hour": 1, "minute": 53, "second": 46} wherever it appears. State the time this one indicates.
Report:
{"hour": 9, "minute": 9, "second": 26}
